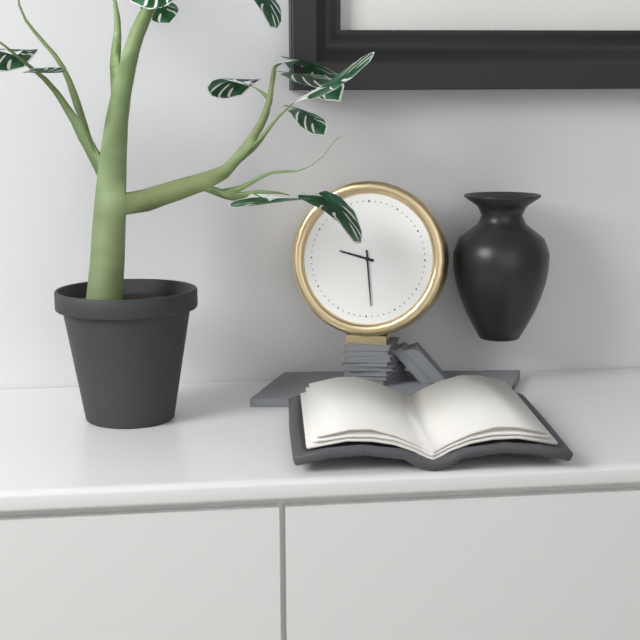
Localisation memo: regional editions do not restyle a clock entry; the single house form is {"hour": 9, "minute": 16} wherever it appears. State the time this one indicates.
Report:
{"hour": 9, "minute": 29}
